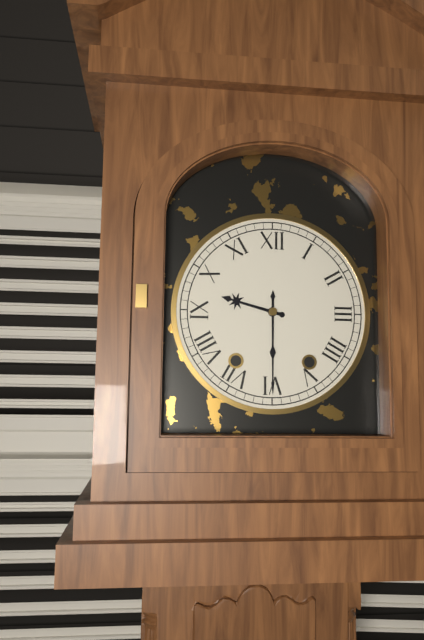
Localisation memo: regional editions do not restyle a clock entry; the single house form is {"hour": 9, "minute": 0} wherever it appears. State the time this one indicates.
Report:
{"hour": 9, "minute": 30}
